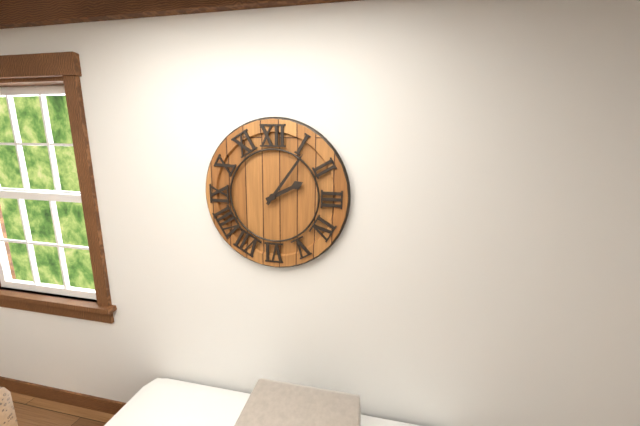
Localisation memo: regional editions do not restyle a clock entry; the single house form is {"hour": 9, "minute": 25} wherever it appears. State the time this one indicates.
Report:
{"hour": 2, "minute": 6}
